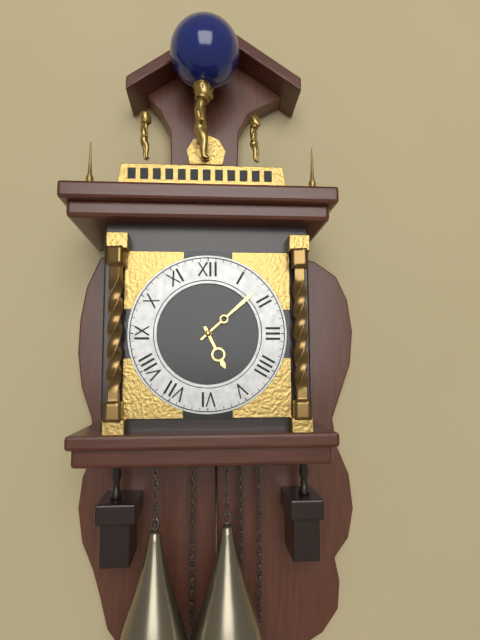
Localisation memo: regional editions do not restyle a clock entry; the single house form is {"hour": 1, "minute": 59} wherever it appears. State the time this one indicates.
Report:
{"hour": 5, "minute": 8}
